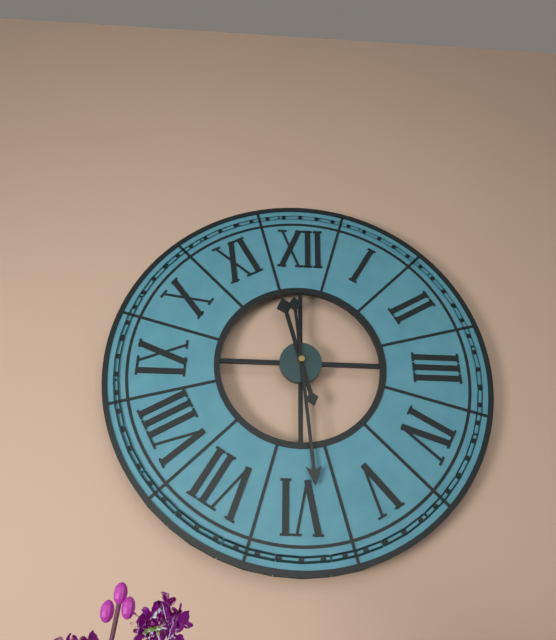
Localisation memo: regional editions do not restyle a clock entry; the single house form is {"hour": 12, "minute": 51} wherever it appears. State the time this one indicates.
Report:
{"hour": 11, "minute": 29}
